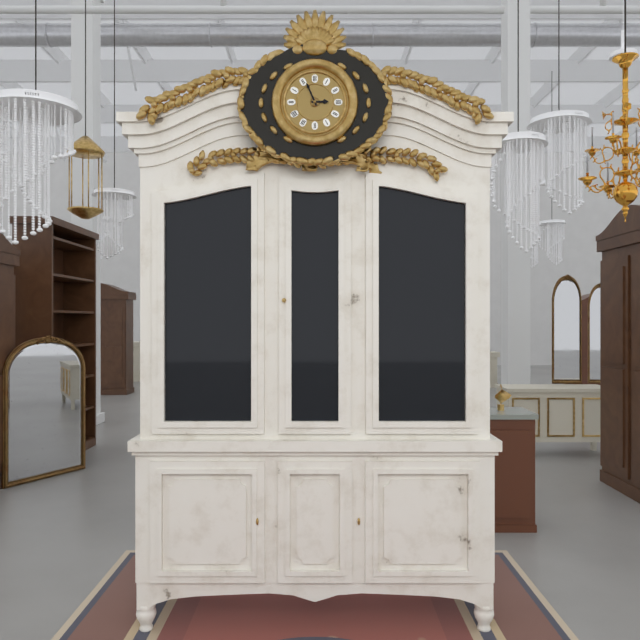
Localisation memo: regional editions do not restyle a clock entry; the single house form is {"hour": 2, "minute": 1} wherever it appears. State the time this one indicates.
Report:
{"hour": 2, "minute": 56}
